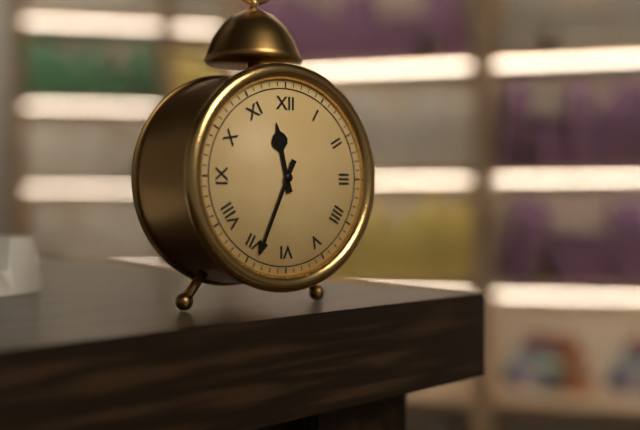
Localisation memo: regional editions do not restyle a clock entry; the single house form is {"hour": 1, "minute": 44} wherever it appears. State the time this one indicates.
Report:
{"hour": 11, "minute": 34}
